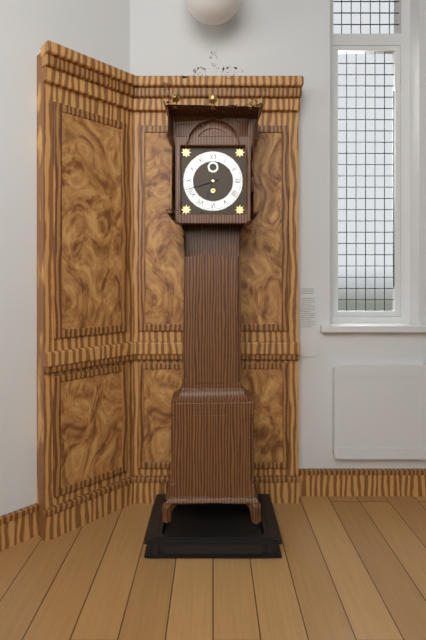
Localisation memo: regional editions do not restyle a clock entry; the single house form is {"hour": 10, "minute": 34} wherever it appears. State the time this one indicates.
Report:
{"hour": 6, "minute": 42}
